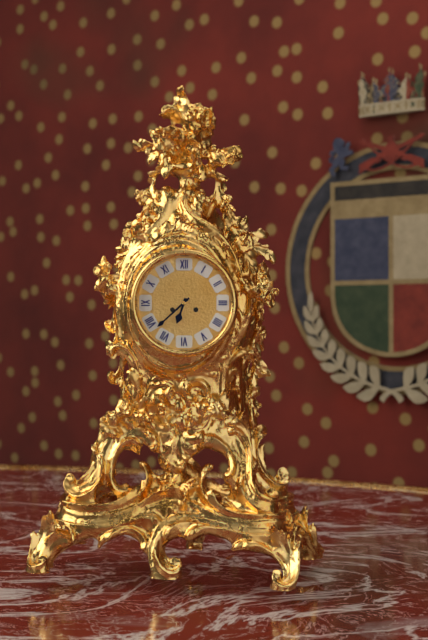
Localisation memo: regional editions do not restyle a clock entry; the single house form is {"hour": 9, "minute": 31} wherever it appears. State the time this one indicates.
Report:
{"hour": 6, "minute": 38}
